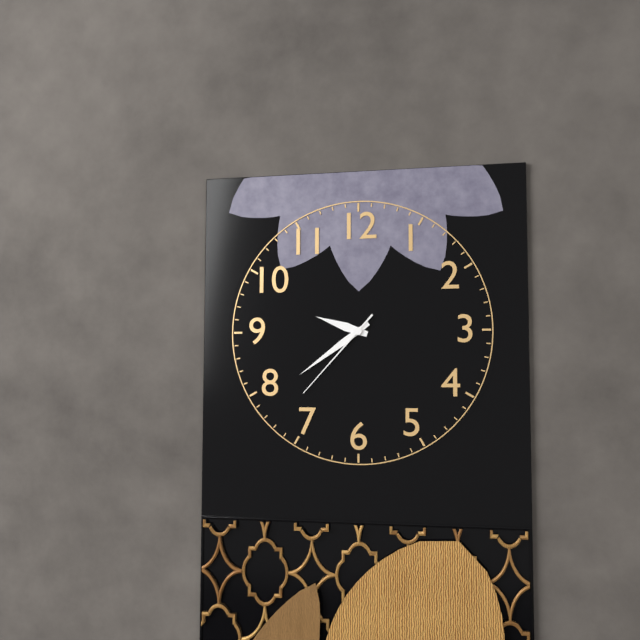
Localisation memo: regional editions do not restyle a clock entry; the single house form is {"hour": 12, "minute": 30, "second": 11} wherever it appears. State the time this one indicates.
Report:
{"hour": 9, "minute": 39, "second": 37}
